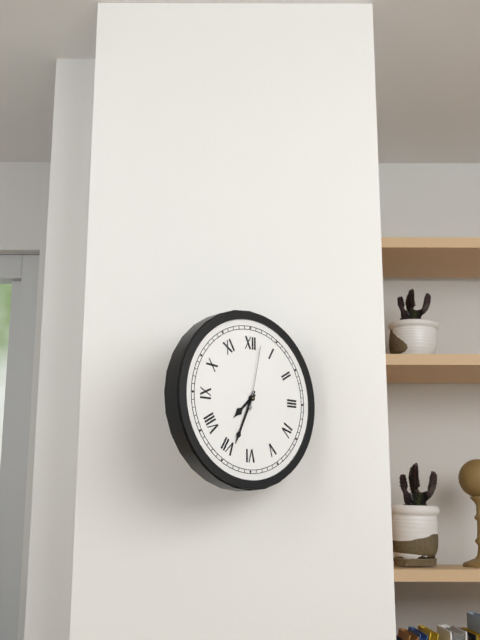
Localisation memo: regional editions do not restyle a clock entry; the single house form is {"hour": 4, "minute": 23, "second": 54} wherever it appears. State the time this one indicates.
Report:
{"hour": 7, "minute": 34, "second": 2}
